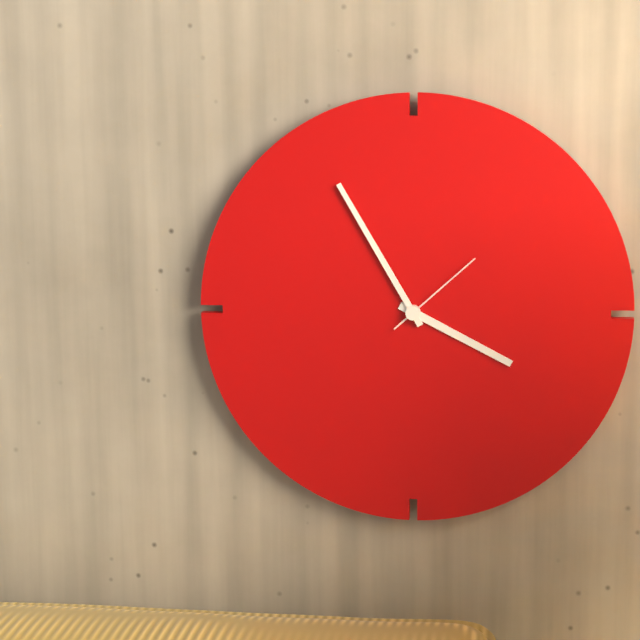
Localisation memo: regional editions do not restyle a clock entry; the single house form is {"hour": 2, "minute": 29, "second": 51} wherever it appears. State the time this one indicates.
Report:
{"hour": 3, "minute": 55, "second": 8}
